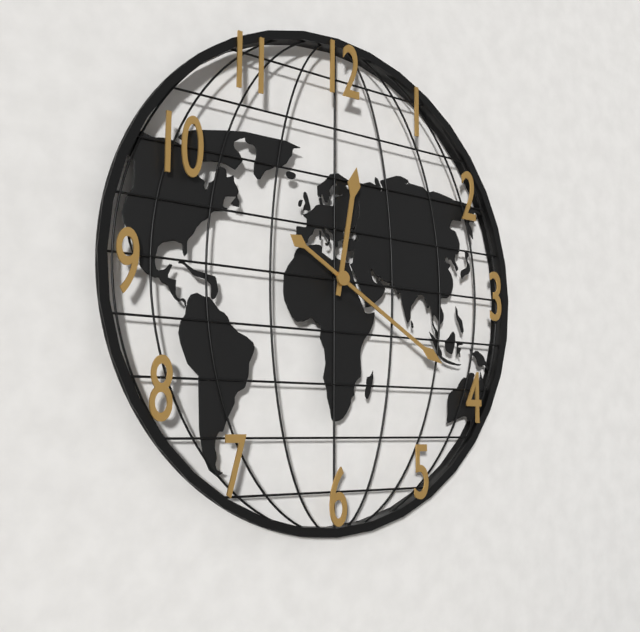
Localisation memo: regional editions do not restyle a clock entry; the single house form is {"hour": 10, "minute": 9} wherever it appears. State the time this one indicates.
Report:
{"hour": 12, "minute": 20}
